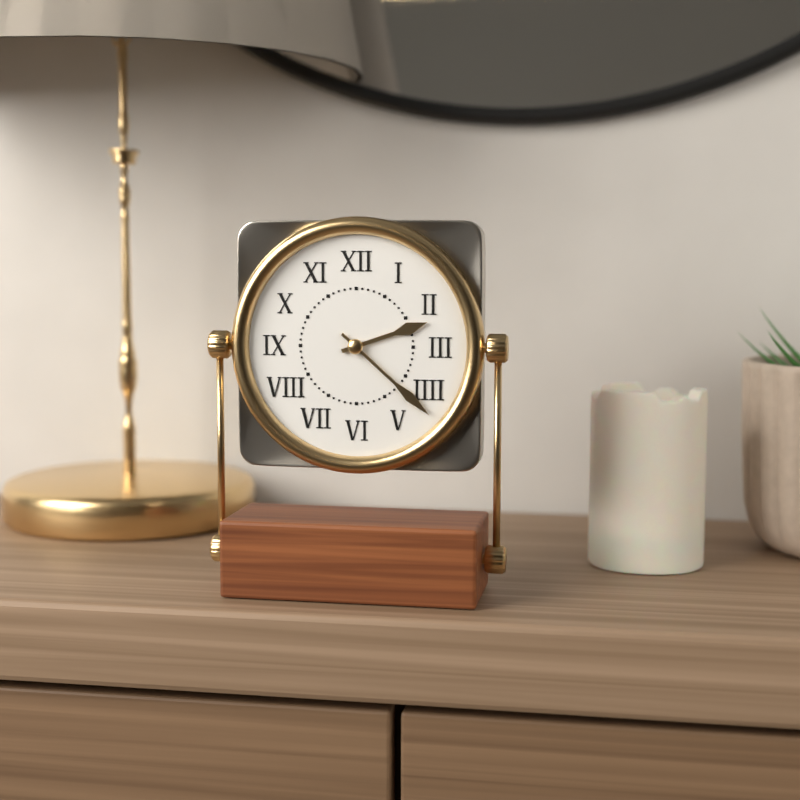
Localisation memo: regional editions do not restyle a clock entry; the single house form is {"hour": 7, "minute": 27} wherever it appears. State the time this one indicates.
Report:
{"hour": 2, "minute": 22}
